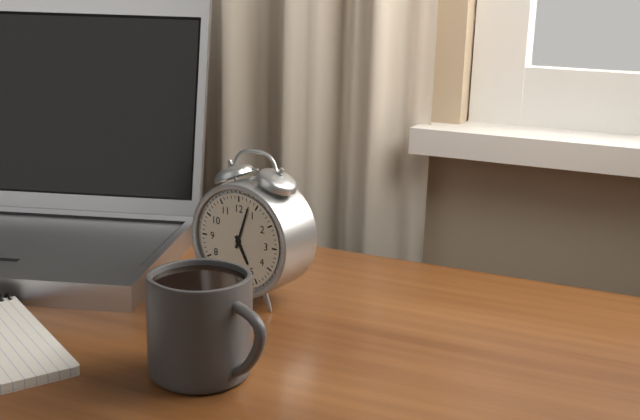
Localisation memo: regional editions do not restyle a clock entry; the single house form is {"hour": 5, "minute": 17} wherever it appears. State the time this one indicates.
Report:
{"hour": 5, "minute": 3}
